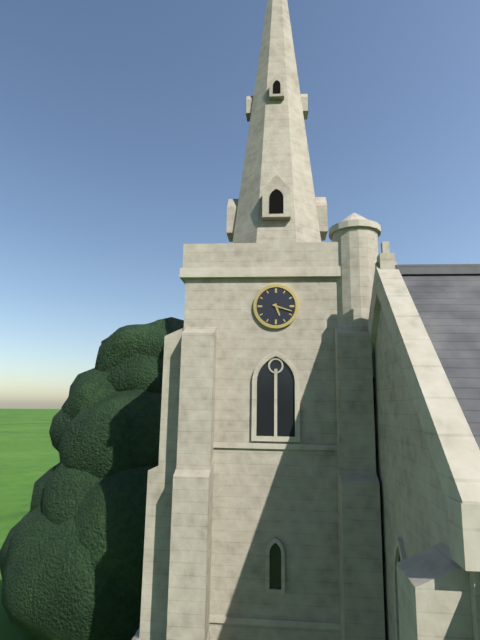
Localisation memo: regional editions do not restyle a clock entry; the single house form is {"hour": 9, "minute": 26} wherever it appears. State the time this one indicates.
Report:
{"hour": 5, "minute": 18}
